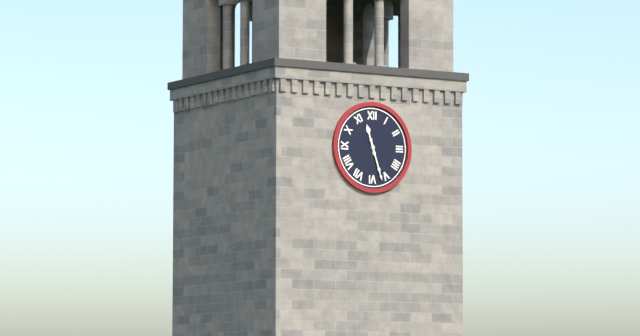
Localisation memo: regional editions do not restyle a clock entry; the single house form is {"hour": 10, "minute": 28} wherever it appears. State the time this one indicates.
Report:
{"hour": 11, "minute": 27}
